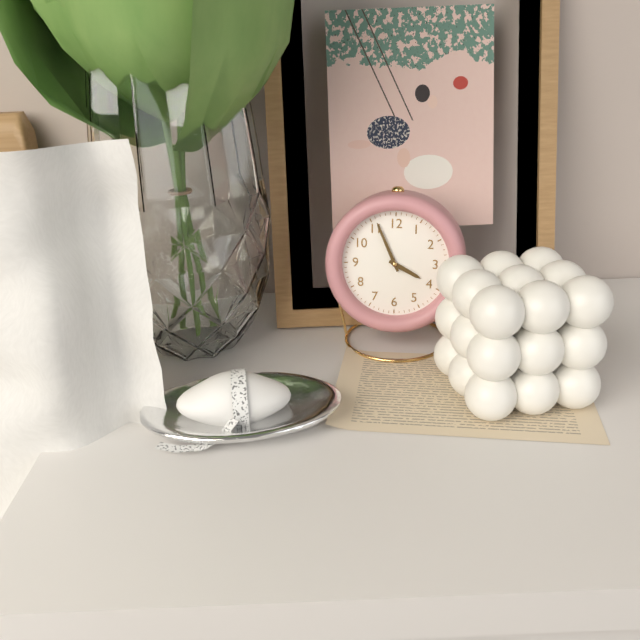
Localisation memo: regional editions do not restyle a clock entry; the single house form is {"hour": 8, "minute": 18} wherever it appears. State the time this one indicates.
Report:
{"hour": 3, "minute": 56}
